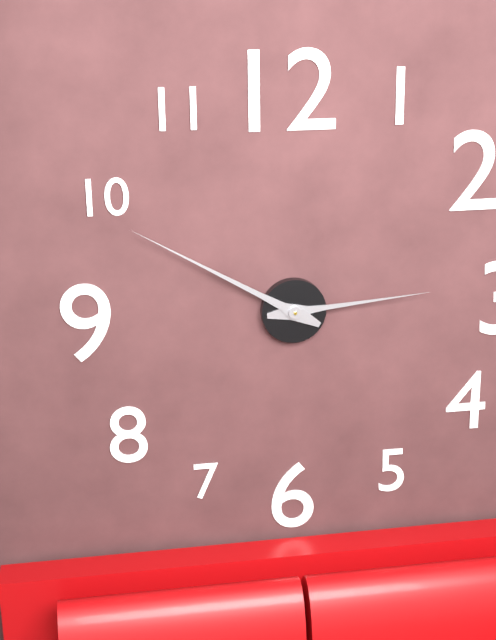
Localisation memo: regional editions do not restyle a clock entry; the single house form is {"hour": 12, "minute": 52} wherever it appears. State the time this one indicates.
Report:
{"hour": 2, "minute": 50}
